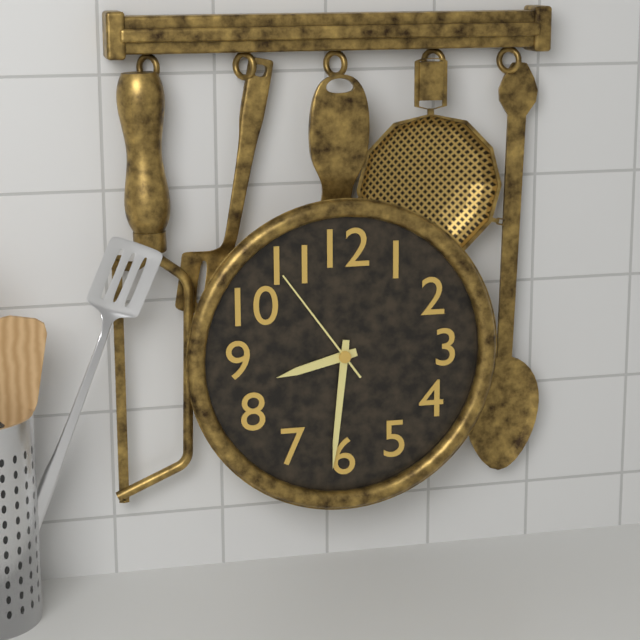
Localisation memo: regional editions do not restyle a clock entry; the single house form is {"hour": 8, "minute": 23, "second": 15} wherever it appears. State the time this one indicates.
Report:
{"hour": 8, "minute": 31, "second": 54}
